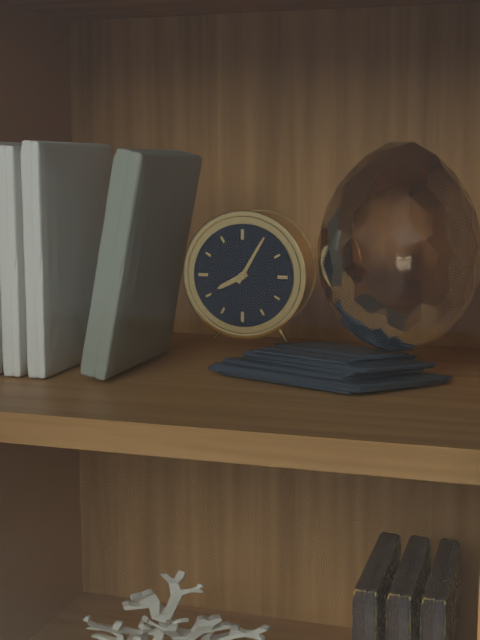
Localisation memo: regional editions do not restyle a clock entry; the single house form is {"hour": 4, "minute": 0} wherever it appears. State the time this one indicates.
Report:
{"hour": 8, "minute": 5}
